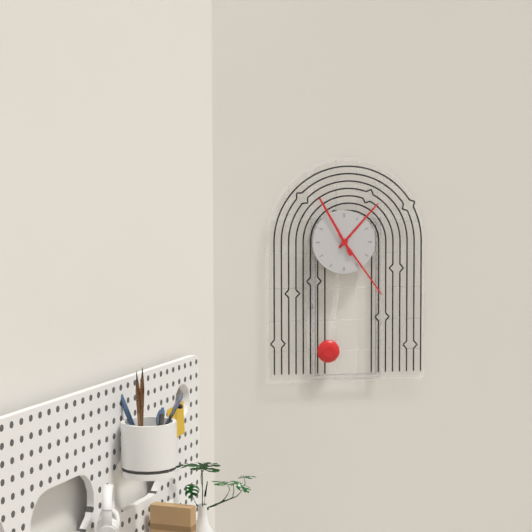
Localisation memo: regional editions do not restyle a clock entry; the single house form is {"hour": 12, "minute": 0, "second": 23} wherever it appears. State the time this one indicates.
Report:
{"hour": 1, "minute": 24, "second": 55}
